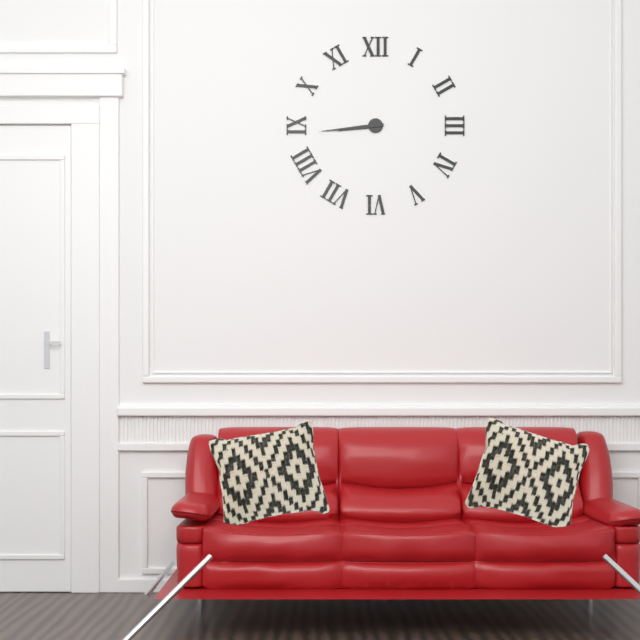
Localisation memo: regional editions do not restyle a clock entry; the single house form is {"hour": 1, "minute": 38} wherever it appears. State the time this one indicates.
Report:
{"hour": 8, "minute": 44}
